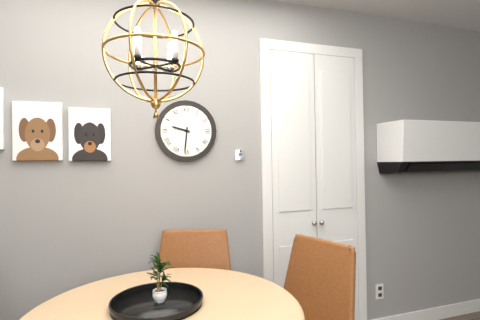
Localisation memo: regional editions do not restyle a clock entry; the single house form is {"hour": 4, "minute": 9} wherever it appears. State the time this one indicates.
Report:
{"hour": 9, "minute": 31}
